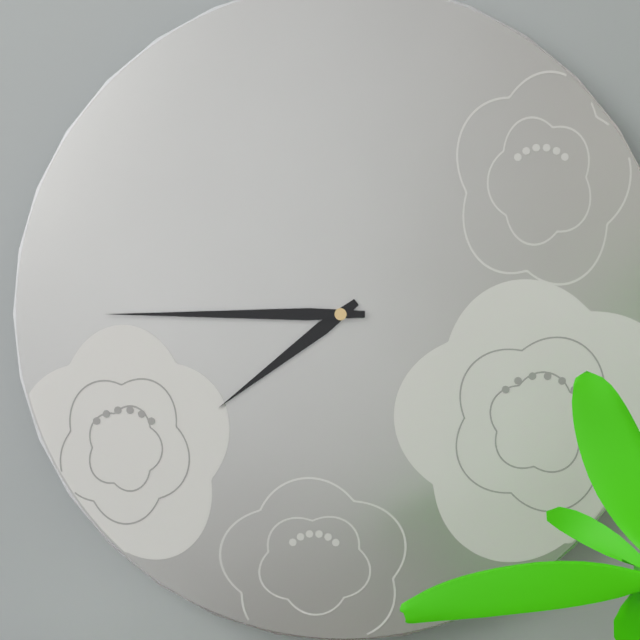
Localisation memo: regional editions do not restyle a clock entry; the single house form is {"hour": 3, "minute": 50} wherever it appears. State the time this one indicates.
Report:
{"hour": 7, "minute": 45}
